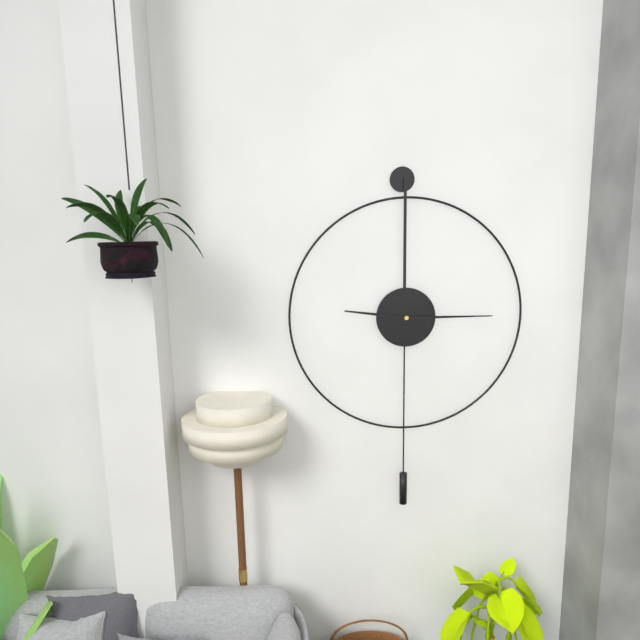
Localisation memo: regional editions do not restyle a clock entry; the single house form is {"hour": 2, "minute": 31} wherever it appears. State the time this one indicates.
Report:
{"hour": 9, "minute": 15}
